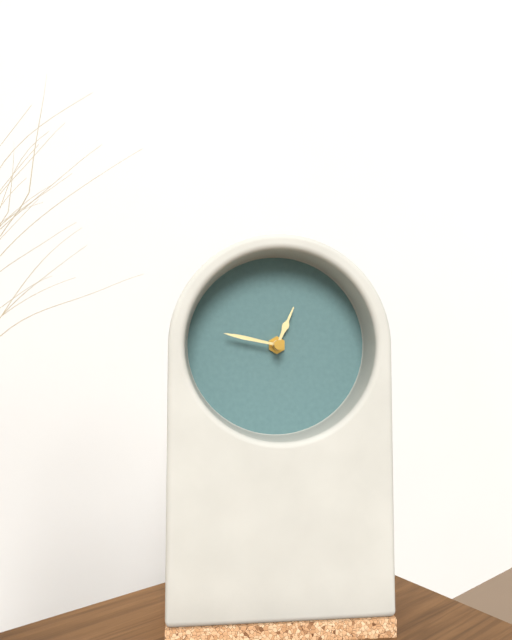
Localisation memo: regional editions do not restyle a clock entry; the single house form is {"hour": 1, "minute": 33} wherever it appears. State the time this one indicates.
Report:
{"hour": 12, "minute": 47}
